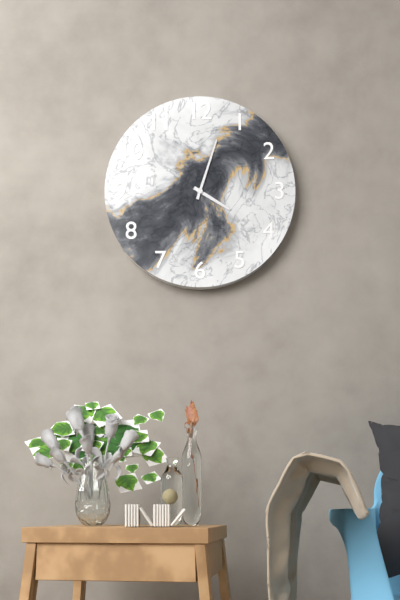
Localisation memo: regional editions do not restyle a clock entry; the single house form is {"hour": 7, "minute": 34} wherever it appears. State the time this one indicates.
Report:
{"hour": 4, "minute": 3}
